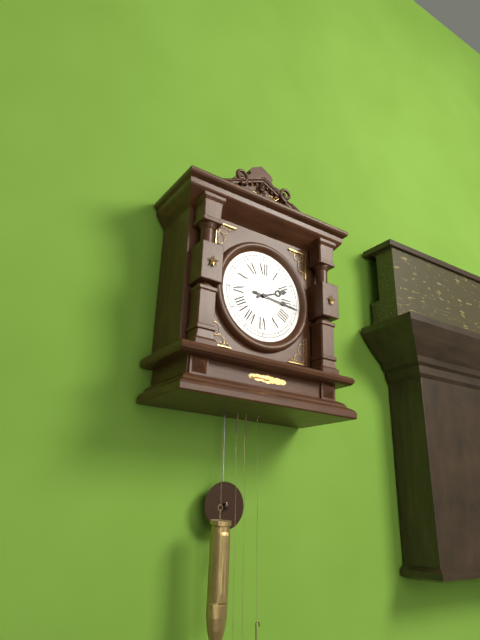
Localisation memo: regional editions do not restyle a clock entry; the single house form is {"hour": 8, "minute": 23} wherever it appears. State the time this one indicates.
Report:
{"hour": 2, "minute": 16}
